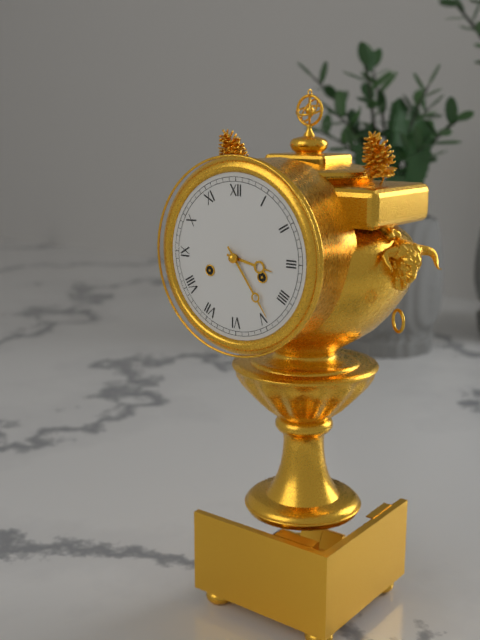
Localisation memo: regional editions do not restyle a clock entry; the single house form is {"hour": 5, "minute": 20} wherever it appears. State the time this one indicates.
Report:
{"hour": 3, "minute": 24}
